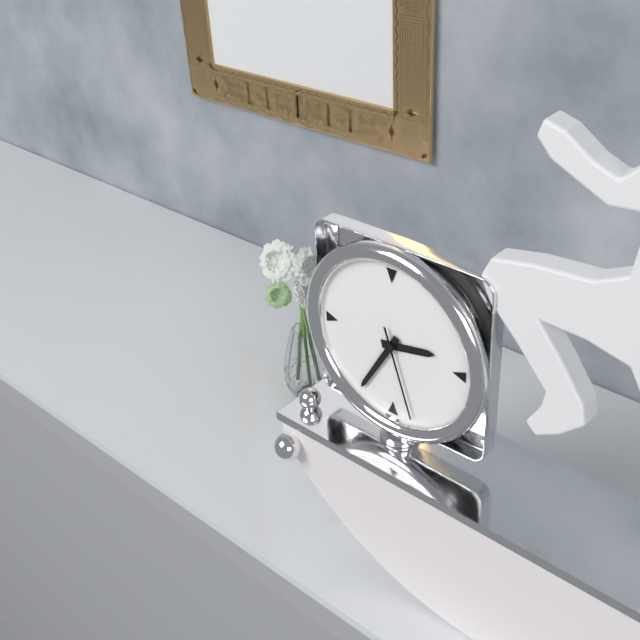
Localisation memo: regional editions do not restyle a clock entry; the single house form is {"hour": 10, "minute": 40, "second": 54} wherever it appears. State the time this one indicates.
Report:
{"hour": 2, "minute": 35, "second": 27}
